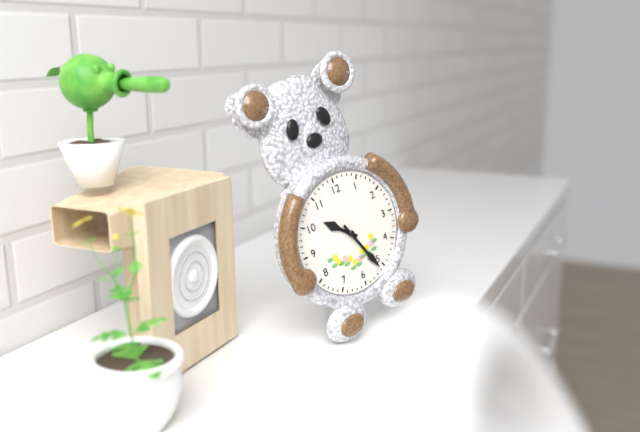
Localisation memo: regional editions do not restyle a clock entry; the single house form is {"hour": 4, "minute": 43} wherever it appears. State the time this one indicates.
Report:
{"hour": 10, "minute": 26}
